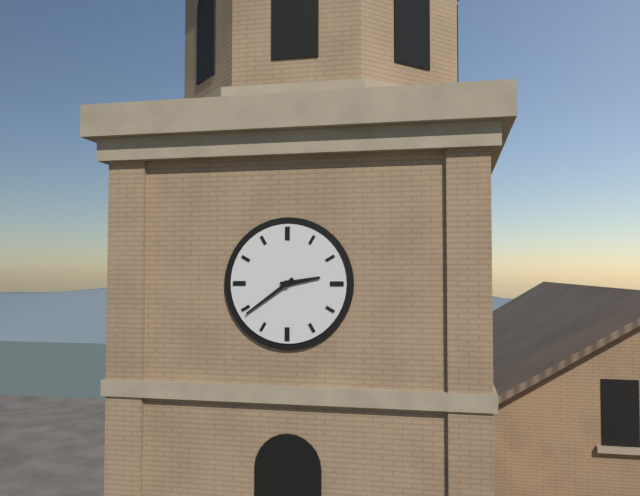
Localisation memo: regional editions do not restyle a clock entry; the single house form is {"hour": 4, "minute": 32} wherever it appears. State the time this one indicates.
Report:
{"hour": 2, "minute": 39}
